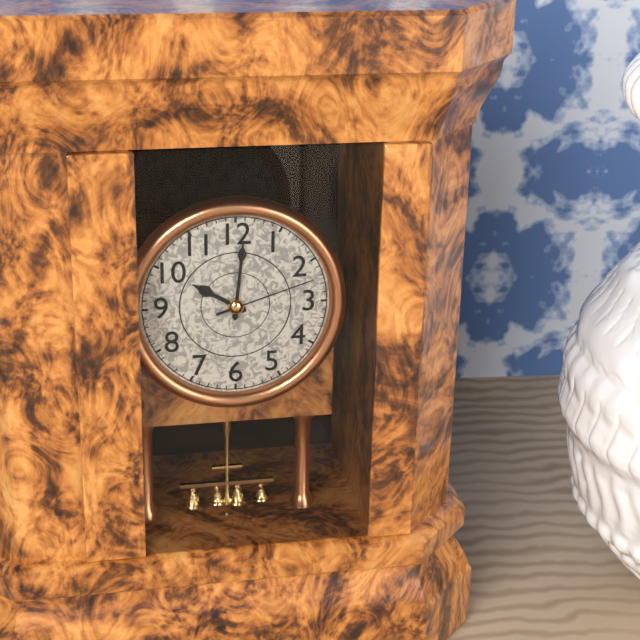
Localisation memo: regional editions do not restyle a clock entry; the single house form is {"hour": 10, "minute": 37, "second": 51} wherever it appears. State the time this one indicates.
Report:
{"hour": 10, "minute": 1, "second": 12}
